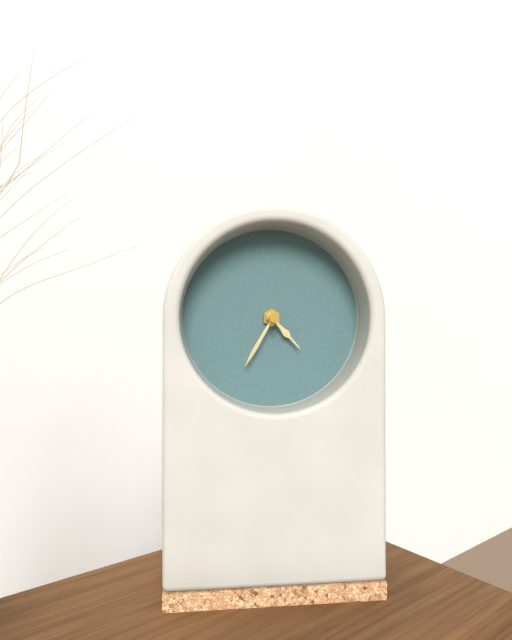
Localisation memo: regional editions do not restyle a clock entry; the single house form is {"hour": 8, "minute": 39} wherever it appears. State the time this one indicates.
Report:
{"hour": 4, "minute": 35}
